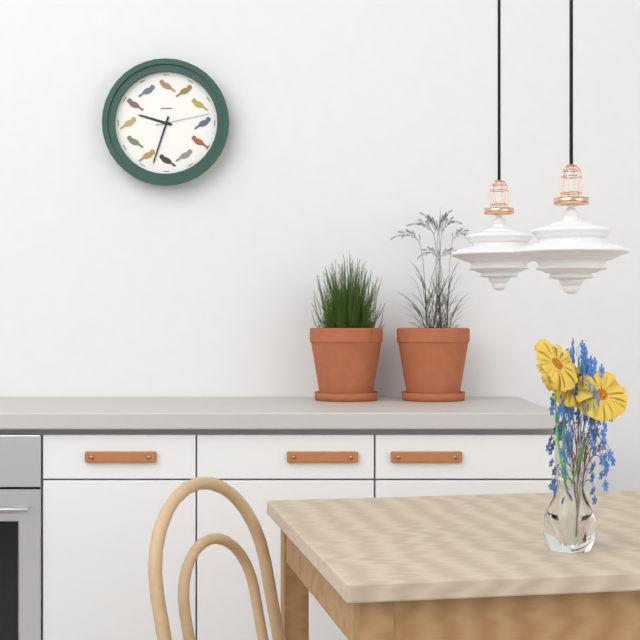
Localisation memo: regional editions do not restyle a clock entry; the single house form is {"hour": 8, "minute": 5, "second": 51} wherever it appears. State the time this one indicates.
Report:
{"hour": 9, "minute": 33, "second": 13}
